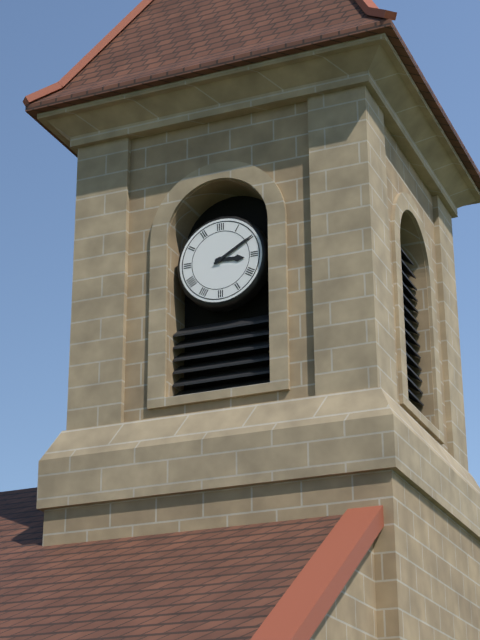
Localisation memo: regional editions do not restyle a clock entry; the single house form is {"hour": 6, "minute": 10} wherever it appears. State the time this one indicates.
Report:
{"hour": 3, "minute": 10}
